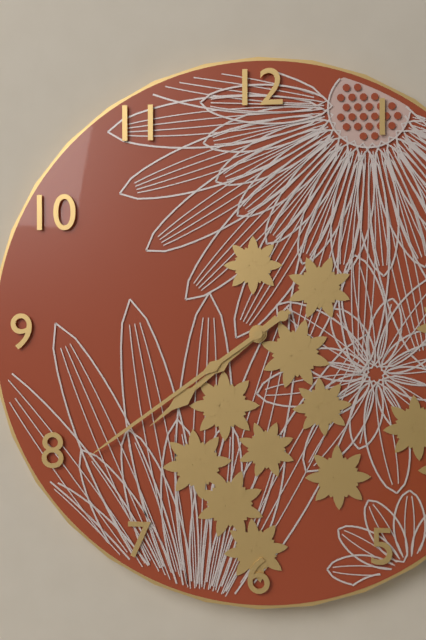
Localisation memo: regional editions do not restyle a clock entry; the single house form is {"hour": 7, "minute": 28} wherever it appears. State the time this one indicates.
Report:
{"hour": 7, "minute": 39}
